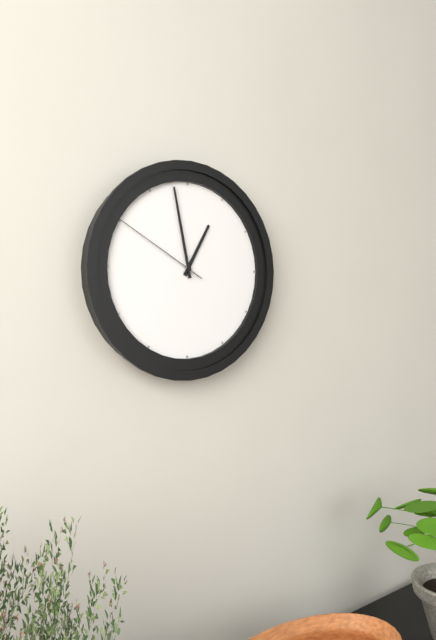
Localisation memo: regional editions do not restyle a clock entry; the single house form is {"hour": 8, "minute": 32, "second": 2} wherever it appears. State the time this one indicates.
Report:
{"hour": 12, "minute": 58, "second": 50}
